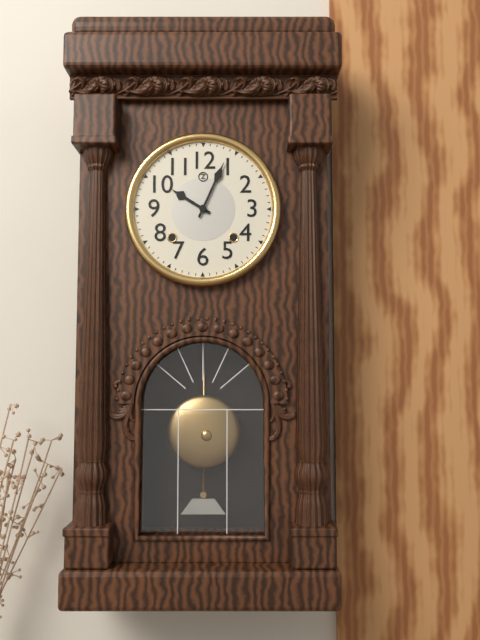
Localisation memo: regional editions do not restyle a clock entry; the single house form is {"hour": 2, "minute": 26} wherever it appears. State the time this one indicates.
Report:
{"hour": 10, "minute": 4}
